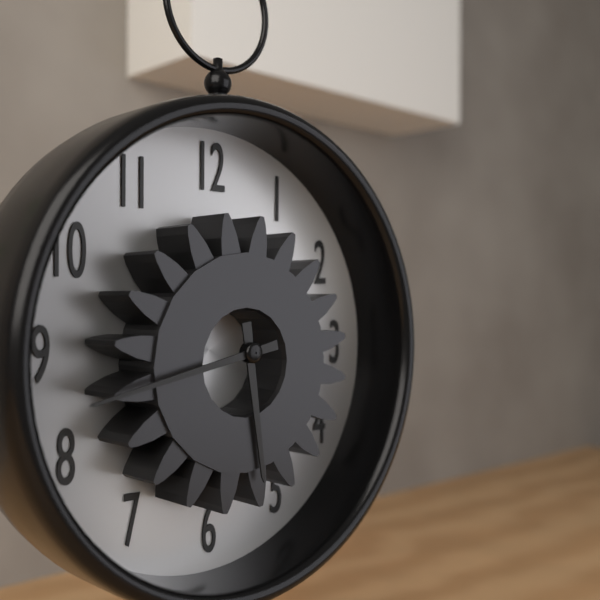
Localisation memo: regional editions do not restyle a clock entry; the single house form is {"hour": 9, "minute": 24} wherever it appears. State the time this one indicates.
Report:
{"hour": 5, "minute": 43}
